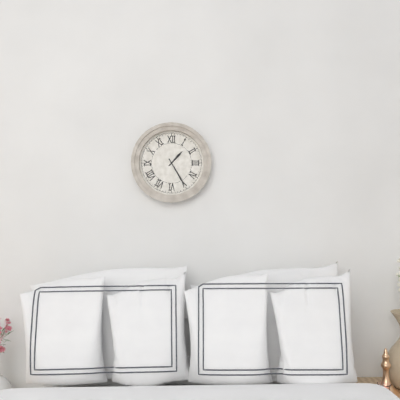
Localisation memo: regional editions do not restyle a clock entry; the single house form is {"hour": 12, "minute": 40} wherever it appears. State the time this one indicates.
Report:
{"hour": 1, "minute": 25}
